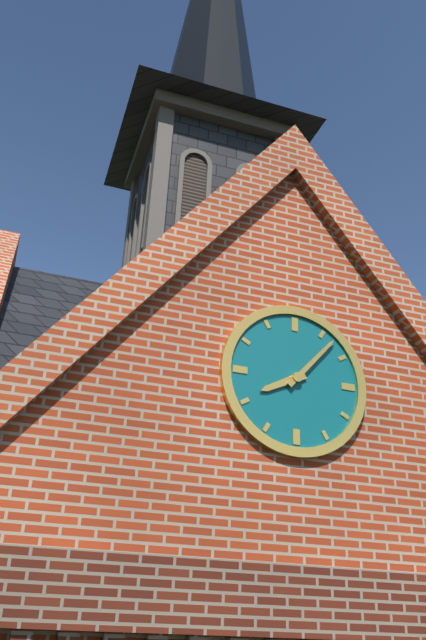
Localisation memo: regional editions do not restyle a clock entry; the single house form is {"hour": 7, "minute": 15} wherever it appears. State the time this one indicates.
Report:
{"hour": 8, "minute": 7}
